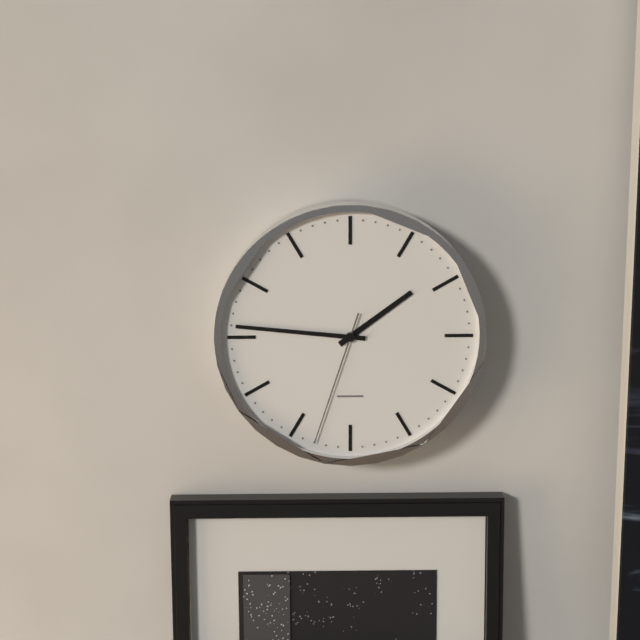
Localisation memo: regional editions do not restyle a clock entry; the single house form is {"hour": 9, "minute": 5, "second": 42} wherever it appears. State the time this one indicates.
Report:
{"hour": 1, "minute": 46, "second": 33}
